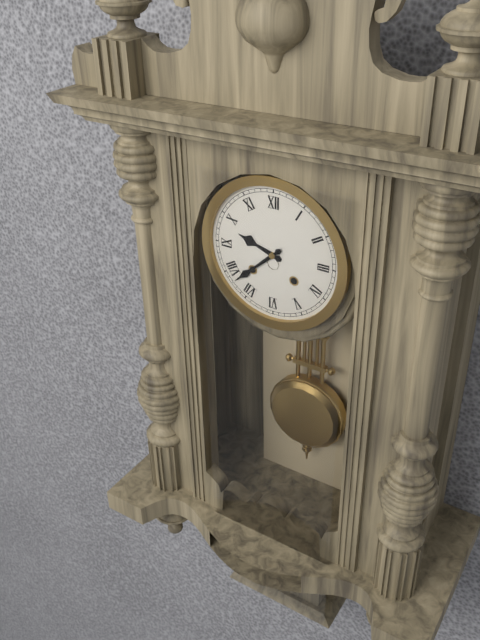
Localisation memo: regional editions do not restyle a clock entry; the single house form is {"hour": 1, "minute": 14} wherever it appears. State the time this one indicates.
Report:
{"hour": 9, "minute": 38}
